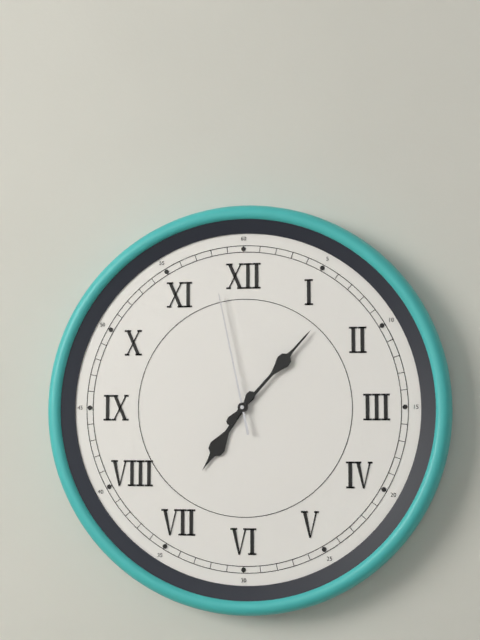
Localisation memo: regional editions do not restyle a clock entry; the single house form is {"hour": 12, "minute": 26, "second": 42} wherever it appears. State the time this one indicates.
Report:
{"hour": 7, "minute": 7, "second": 58}
